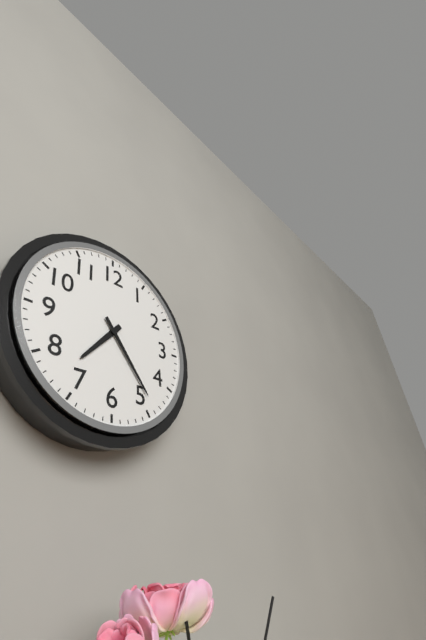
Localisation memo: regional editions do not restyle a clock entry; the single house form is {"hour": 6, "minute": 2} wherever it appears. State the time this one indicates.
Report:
{"hour": 7, "minute": 24}
